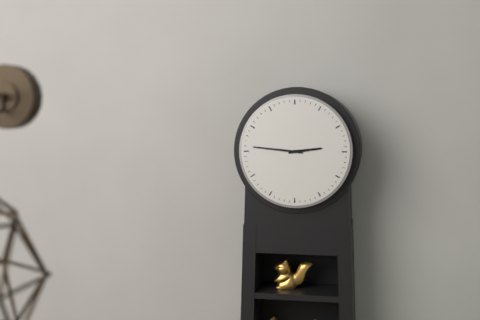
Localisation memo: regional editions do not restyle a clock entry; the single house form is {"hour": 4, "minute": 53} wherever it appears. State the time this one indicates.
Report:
{"hour": 2, "minute": 46}
